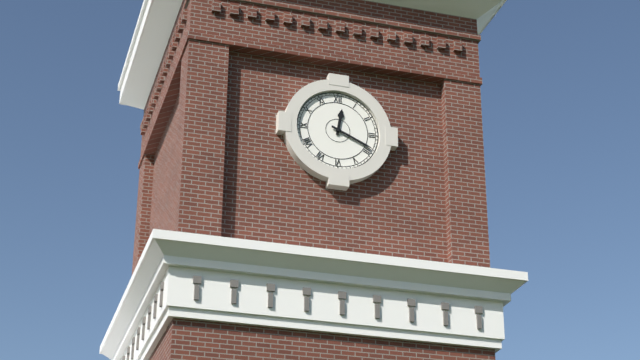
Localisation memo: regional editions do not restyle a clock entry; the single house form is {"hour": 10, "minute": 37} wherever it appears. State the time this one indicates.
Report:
{"hour": 12, "minute": 19}
